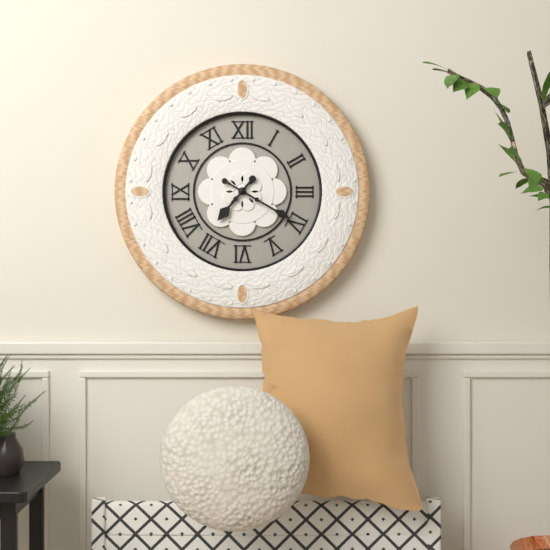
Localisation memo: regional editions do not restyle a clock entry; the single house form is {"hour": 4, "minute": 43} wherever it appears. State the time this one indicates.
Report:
{"hour": 7, "minute": 20}
